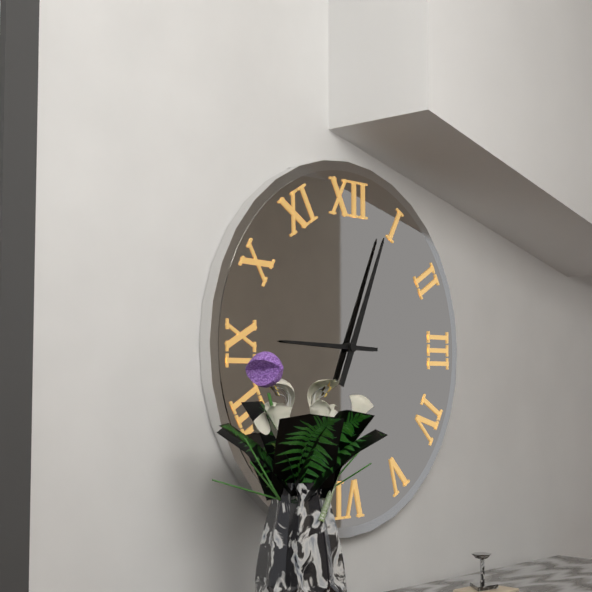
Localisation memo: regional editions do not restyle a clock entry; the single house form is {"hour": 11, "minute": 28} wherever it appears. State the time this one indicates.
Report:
{"hour": 9, "minute": 4}
